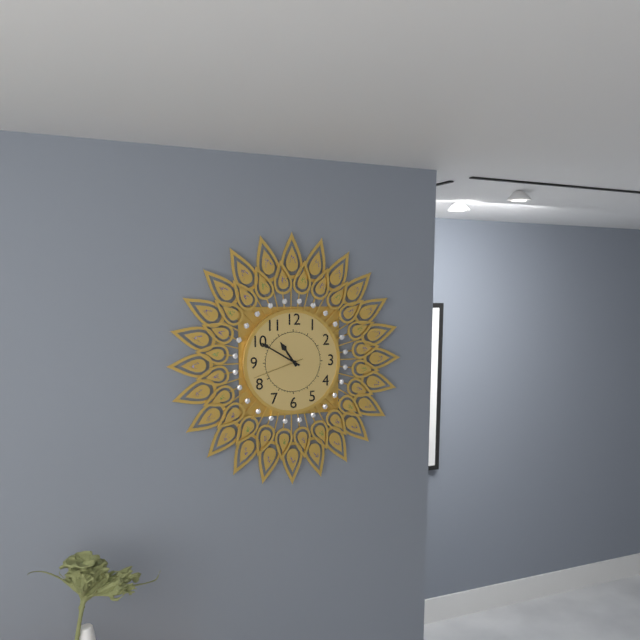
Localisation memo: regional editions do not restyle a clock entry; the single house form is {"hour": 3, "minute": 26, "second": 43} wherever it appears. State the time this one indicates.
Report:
{"hour": 10, "minute": 50, "second": 42}
